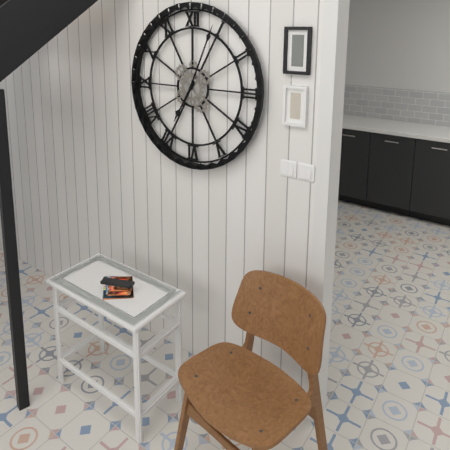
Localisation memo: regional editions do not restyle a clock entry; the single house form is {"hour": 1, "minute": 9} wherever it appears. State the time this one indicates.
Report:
{"hour": 7, "minute": 4}
